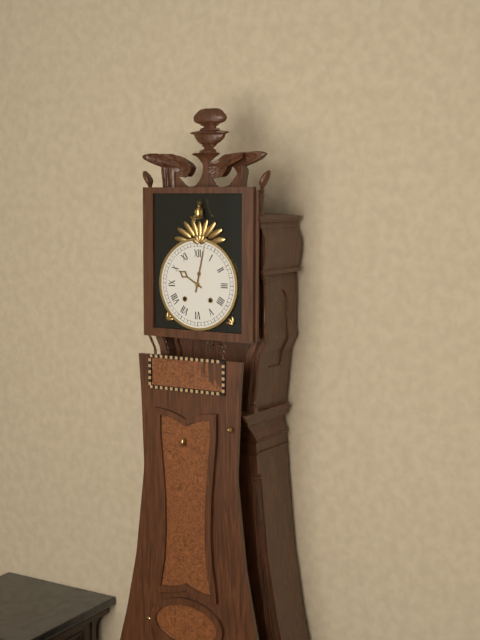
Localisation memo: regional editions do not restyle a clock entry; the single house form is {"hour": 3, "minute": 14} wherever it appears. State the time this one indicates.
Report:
{"hour": 10, "minute": 2}
